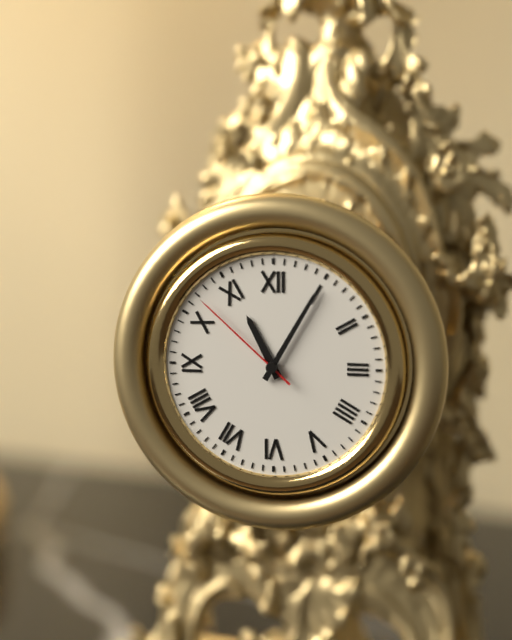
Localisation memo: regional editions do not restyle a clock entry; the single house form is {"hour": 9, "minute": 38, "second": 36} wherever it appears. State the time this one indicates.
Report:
{"hour": 11, "minute": 5, "second": 52}
